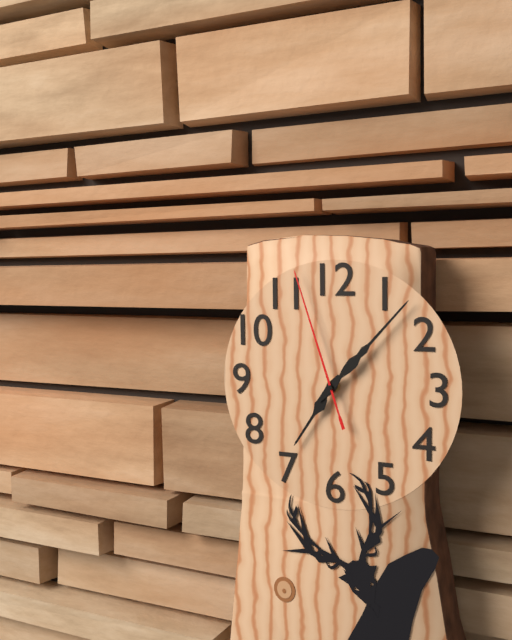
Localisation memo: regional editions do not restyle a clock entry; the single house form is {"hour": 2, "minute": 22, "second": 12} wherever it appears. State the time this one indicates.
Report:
{"hour": 7, "minute": 7, "second": 57}
